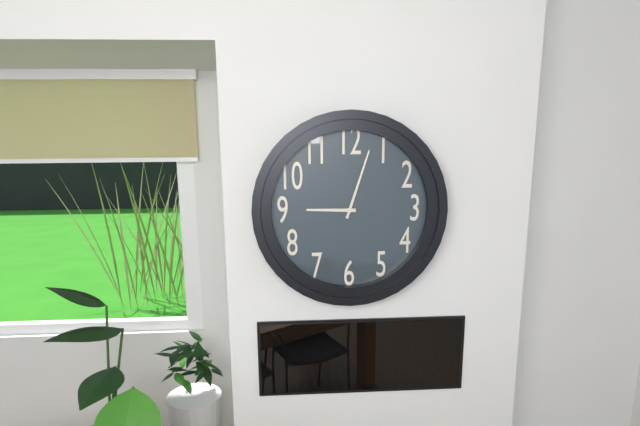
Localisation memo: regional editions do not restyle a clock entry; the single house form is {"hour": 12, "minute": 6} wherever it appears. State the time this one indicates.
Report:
{"hour": 9, "minute": 3}
